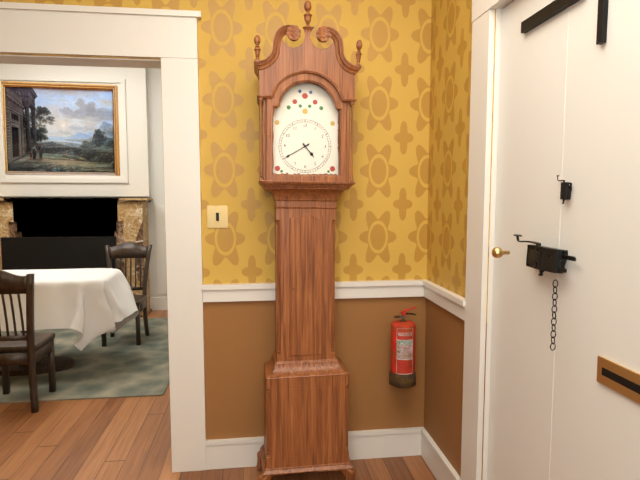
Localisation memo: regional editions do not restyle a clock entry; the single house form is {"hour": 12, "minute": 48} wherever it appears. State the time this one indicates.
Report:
{"hour": 4, "minute": 40}
